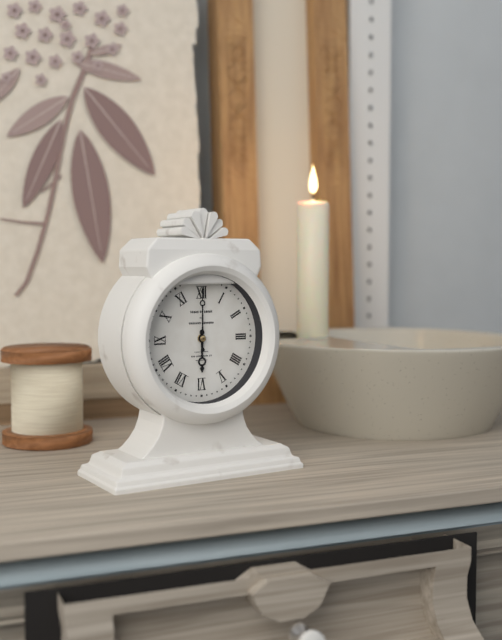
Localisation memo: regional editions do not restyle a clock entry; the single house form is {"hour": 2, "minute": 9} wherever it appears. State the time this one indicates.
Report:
{"hour": 6, "minute": 0}
